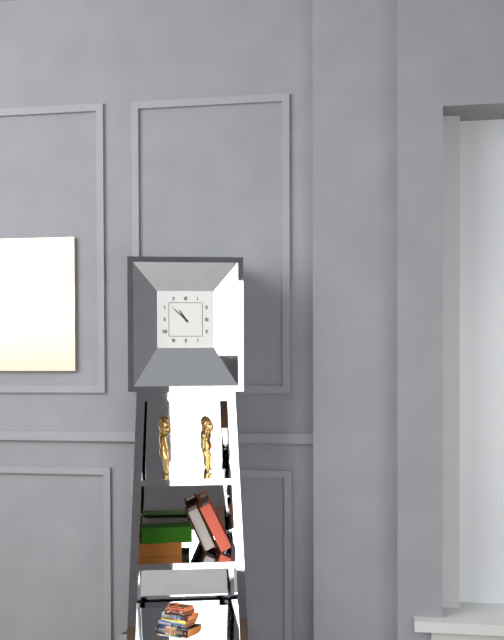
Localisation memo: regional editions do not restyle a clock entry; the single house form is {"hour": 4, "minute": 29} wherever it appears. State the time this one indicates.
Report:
{"hour": 10, "minute": 52}
